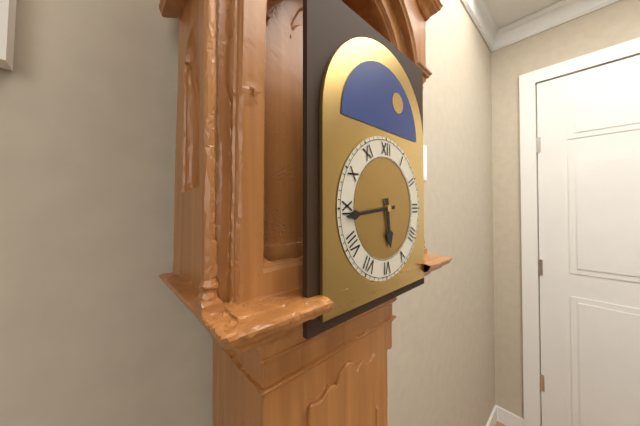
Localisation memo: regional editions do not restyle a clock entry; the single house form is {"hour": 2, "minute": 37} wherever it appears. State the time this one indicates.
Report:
{"hour": 5, "minute": 44}
